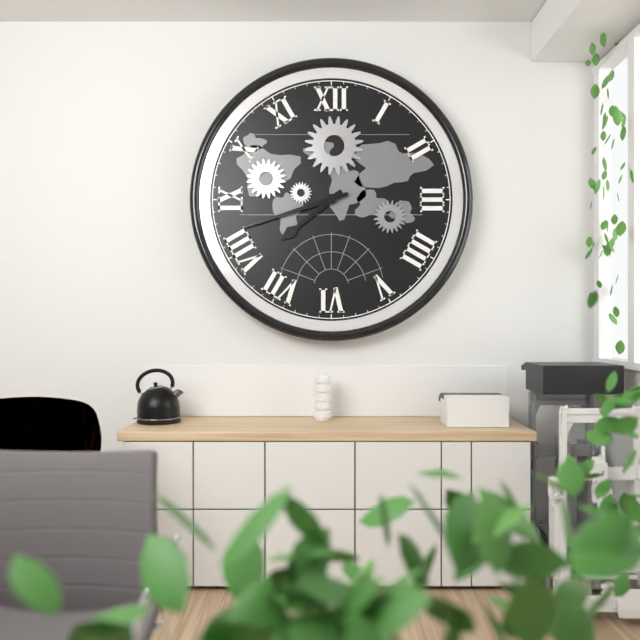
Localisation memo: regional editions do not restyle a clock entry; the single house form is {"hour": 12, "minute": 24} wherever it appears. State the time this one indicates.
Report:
{"hour": 7, "minute": 42}
